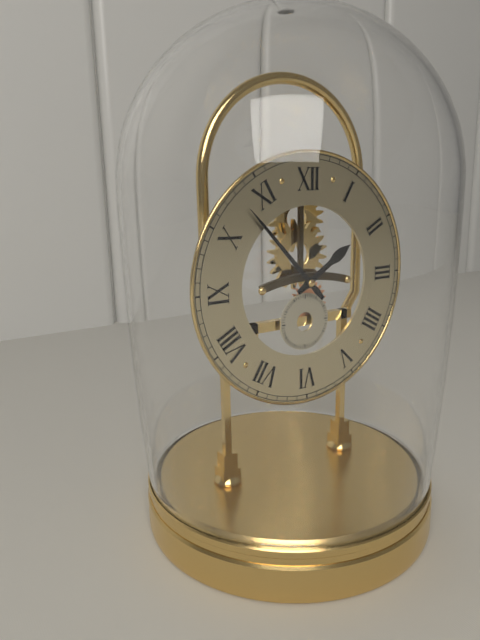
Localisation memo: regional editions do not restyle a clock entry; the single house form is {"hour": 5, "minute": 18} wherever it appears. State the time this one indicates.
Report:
{"hour": 1, "minute": 53}
